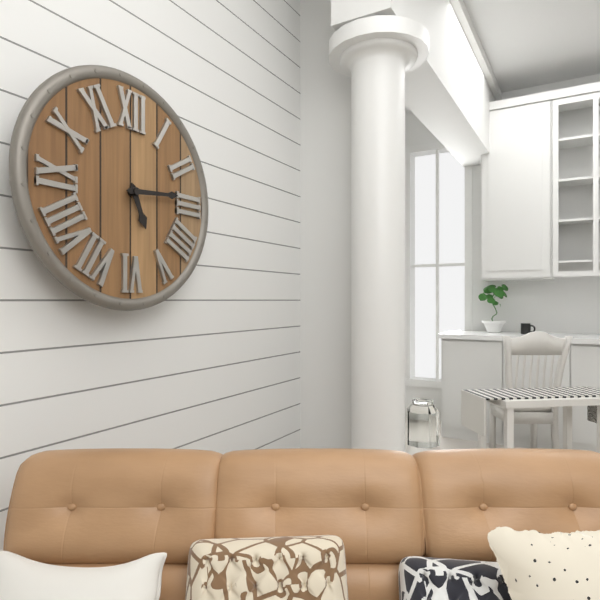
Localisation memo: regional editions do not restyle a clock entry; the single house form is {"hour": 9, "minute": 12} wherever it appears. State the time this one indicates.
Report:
{"hour": 5, "minute": 14}
